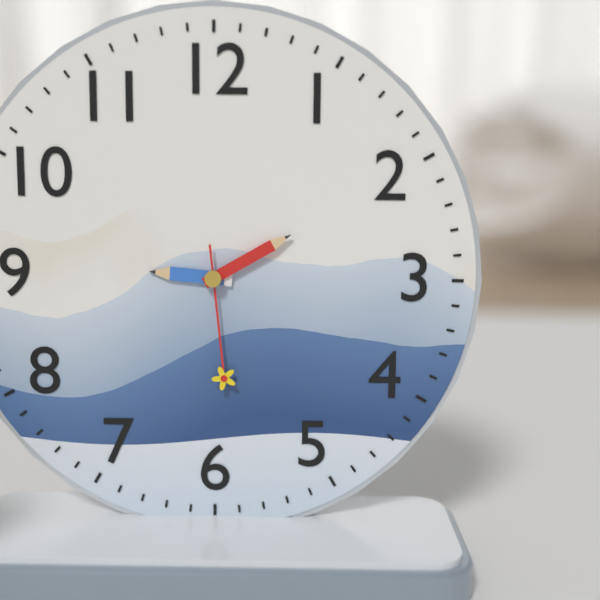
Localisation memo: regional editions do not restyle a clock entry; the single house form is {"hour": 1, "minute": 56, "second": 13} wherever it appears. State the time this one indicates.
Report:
{"hour": 9, "minute": 10, "second": 29}
